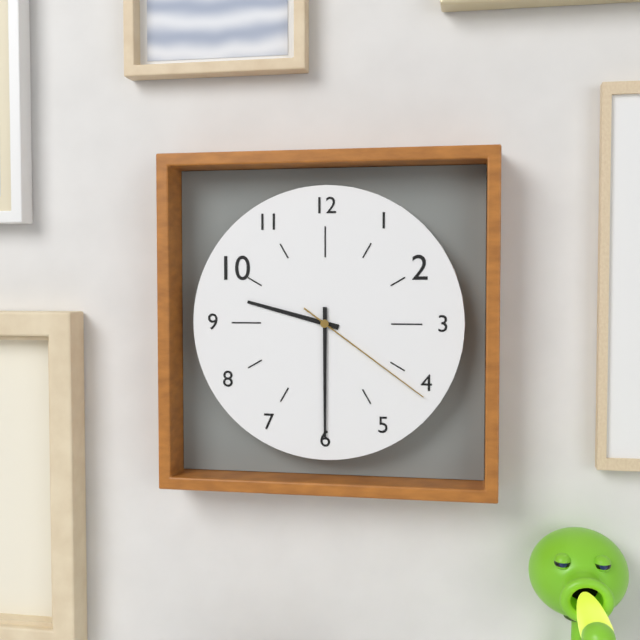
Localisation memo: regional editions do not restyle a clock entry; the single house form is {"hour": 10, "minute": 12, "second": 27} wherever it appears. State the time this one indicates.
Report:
{"hour": 9, "minute": 30, "second": 21}
